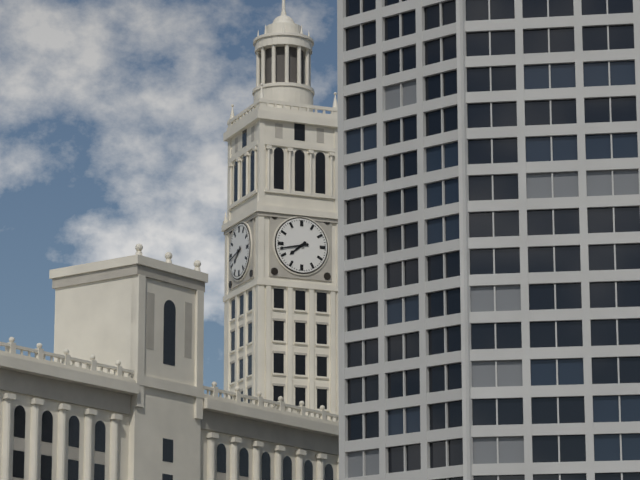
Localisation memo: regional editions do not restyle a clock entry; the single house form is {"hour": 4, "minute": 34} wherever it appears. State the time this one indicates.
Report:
{"hour": 7, "minute": 43}
